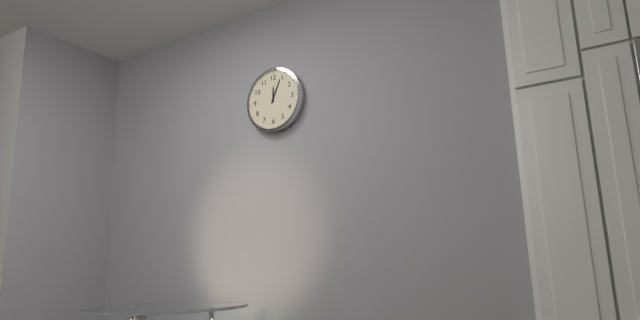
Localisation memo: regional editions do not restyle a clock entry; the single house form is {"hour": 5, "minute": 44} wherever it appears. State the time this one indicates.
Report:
{"hour": 12, "minute": 4}
